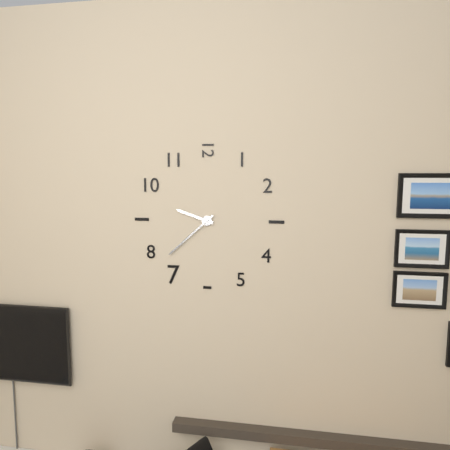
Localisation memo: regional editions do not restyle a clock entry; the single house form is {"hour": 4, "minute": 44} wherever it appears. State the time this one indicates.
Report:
{"hour": 9, "minute": 38}
